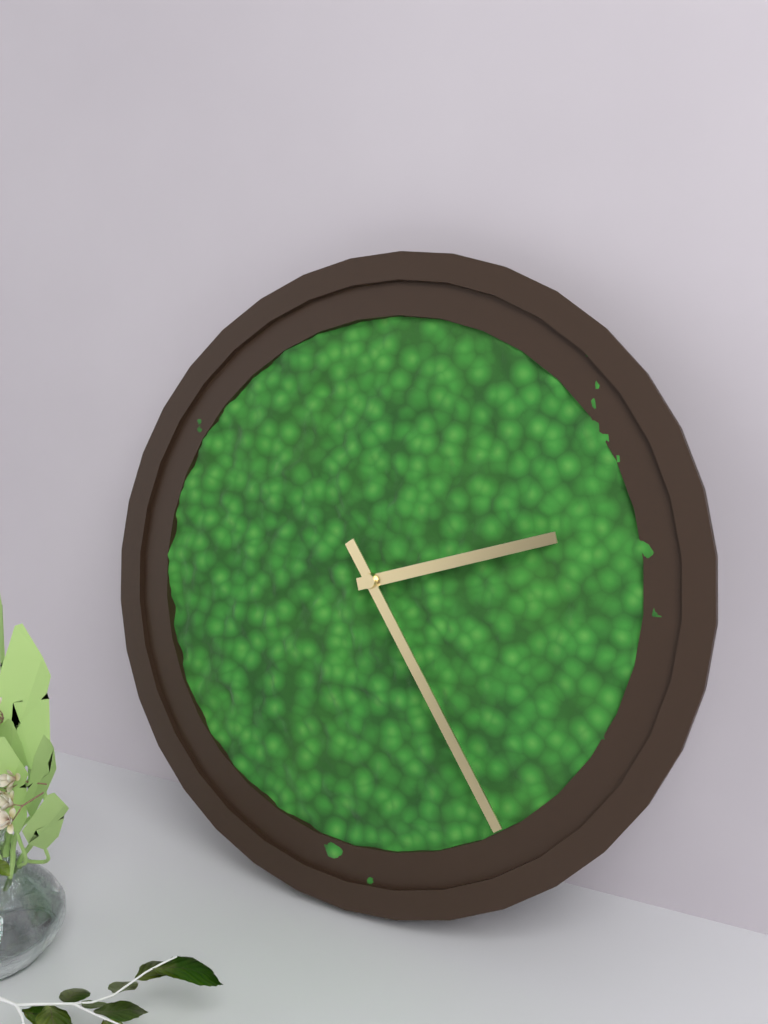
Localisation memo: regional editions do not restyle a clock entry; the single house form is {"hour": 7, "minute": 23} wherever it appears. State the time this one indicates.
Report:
{"hour": 2, "minute": 24}
